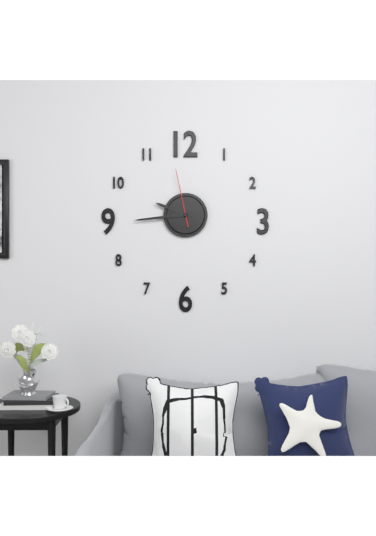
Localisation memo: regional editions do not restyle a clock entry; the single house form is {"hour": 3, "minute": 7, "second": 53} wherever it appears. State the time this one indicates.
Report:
{"hour": 9, "minute": 44, "second": 58}
